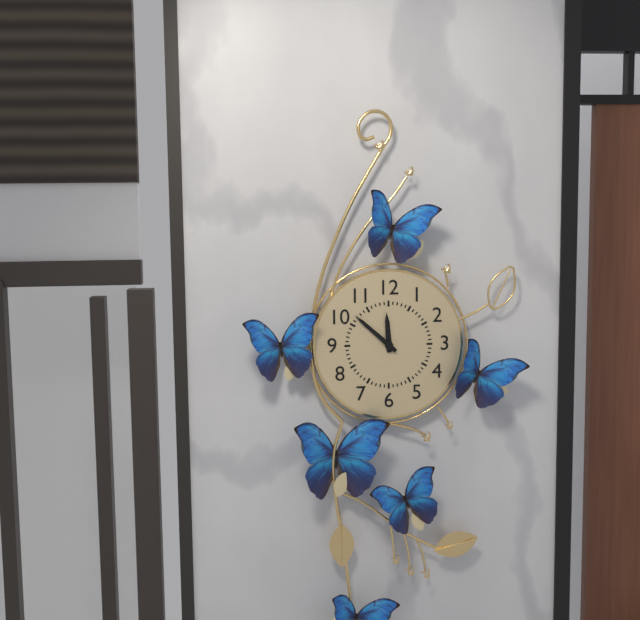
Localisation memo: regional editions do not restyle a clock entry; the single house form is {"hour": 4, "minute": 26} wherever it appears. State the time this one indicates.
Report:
{"hour": 11, "minute": 52}
